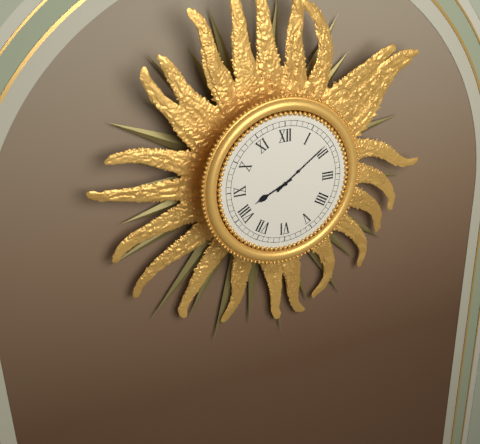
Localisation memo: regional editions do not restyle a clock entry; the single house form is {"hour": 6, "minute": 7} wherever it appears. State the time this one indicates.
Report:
{"hour": 8, "minute": 9}
